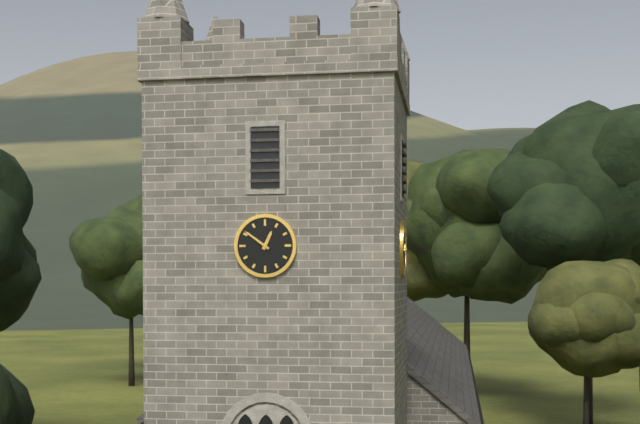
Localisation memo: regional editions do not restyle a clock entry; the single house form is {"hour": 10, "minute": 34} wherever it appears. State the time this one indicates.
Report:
{"hour": 12, "minute": 51}
